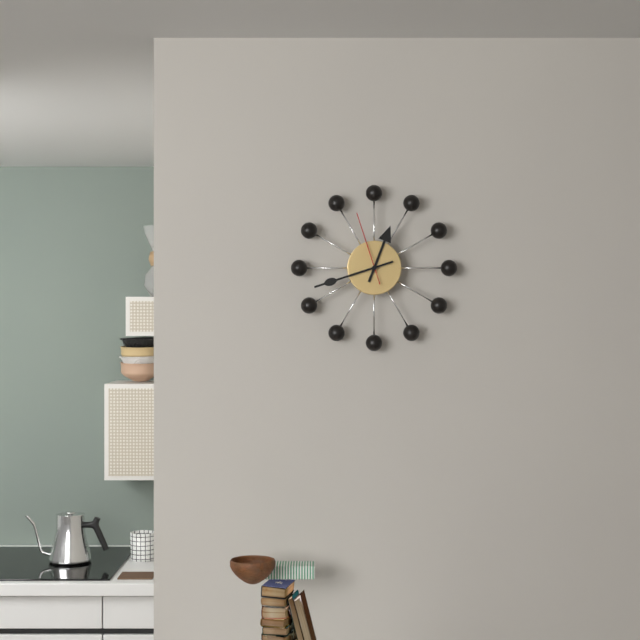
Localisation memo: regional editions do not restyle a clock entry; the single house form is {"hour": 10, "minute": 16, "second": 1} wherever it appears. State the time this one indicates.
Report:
{"hour": 12, "minute": 42, "second": 57}
